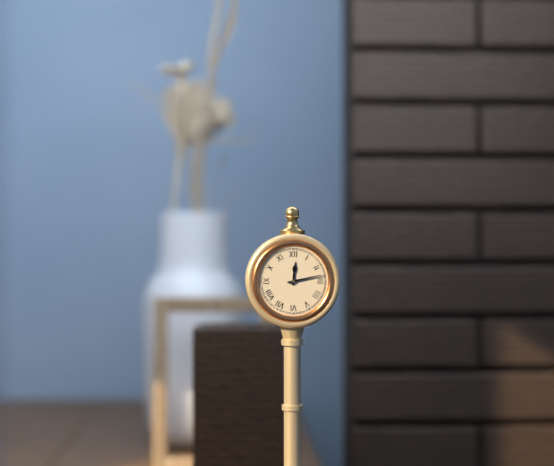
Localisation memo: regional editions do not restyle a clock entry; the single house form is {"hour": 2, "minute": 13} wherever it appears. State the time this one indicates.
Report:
{"hour": 12, "minute": 13}
